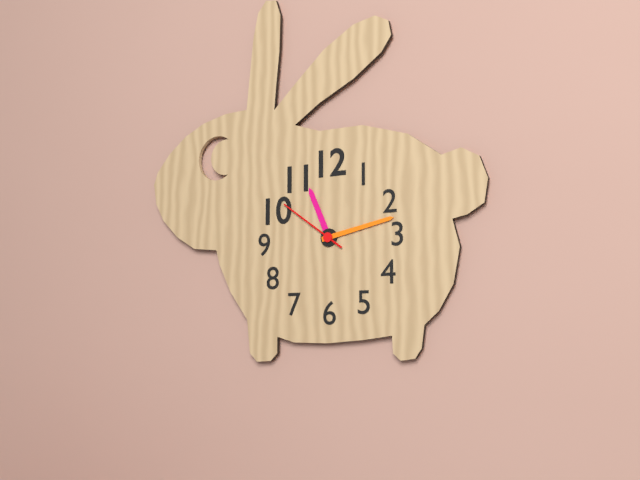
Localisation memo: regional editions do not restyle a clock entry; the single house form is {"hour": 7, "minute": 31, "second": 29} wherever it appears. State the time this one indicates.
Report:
{"hour": 11, "minute": 13, "second": 51}
